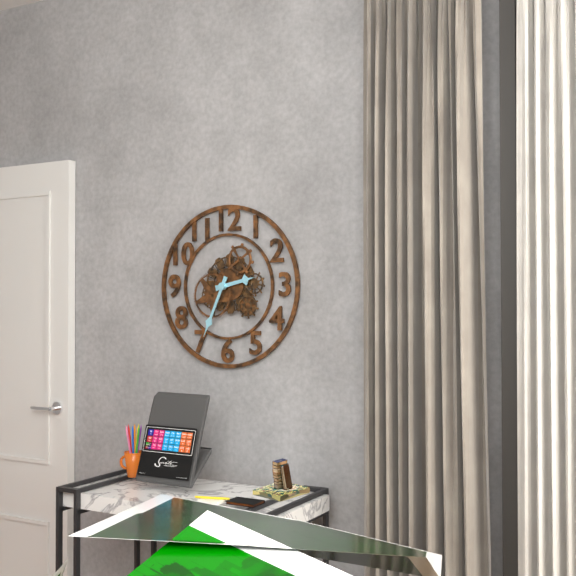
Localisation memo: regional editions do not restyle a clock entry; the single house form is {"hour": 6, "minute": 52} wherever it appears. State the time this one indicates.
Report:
{"hour": 2, "minute": 34}
